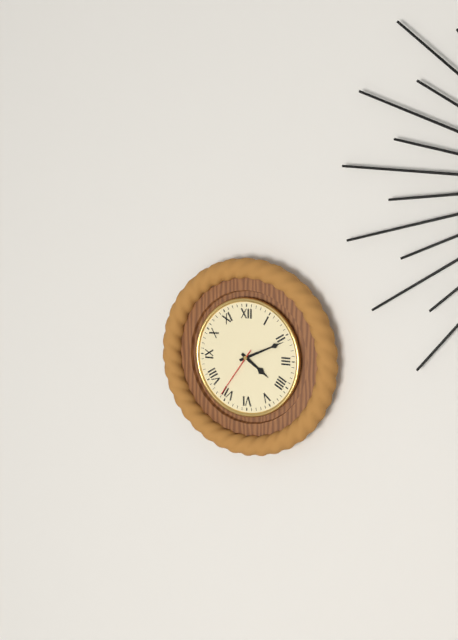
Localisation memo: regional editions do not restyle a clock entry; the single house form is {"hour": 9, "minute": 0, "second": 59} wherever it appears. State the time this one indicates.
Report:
{"hour": 4, "minute": 11, "second": 36}
